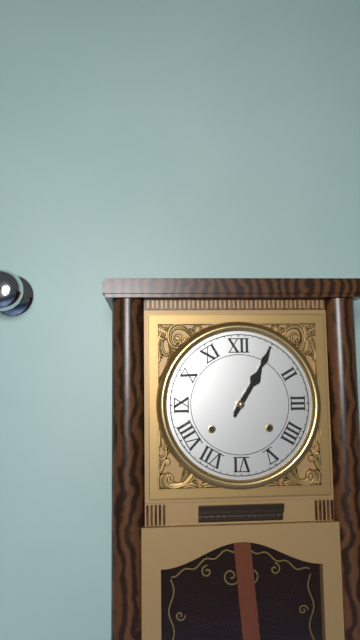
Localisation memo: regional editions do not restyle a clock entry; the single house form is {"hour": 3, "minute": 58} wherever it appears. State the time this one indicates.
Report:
{"hour": 1, "minute": 5}
